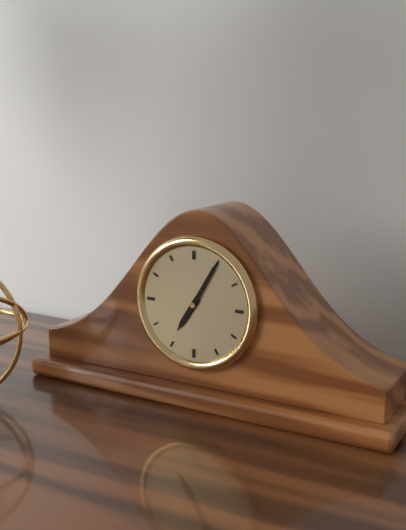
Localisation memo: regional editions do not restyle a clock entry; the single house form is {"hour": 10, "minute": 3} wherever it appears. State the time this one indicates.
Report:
{"hour": 7, "minute": 5}
